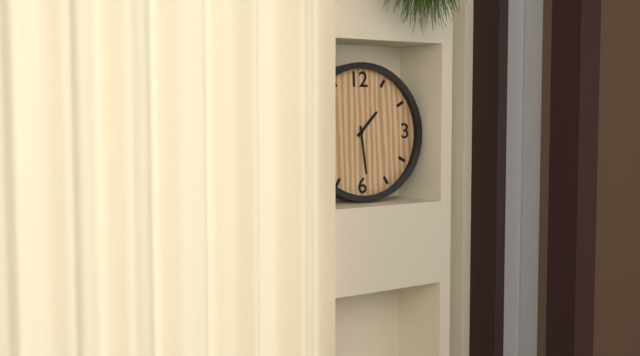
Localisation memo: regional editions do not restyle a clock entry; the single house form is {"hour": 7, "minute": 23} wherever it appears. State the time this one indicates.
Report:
{"hour": 1, "minute": 29}
